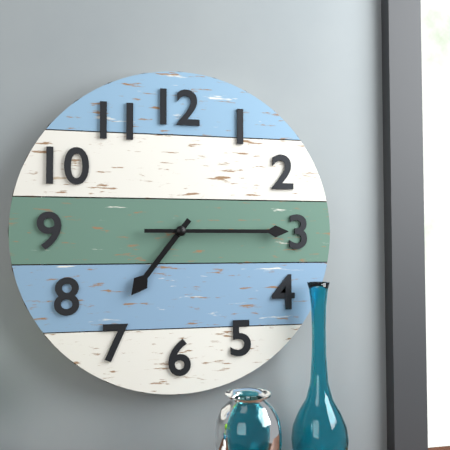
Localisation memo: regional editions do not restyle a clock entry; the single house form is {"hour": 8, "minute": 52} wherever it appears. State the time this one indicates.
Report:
{"hour": 7, "minute": 15}
